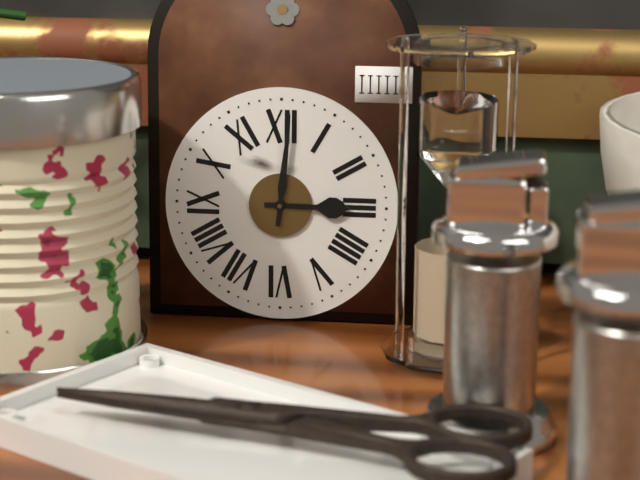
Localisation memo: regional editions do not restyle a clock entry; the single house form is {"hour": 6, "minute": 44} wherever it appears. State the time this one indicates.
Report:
{"hour": 3, "minute": 1}
